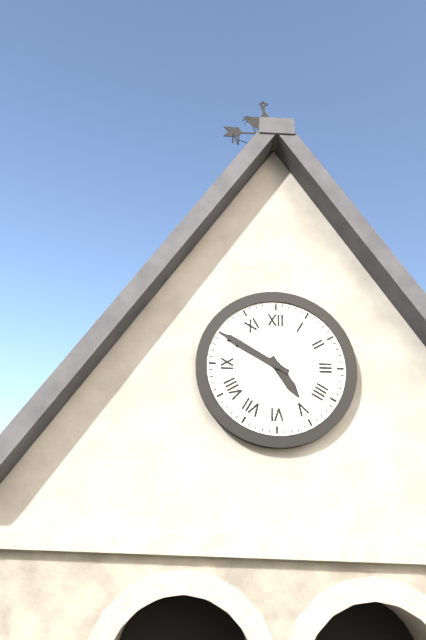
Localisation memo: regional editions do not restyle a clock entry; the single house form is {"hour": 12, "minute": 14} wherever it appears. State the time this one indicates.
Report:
{"hour": 4, "minute": 50}
